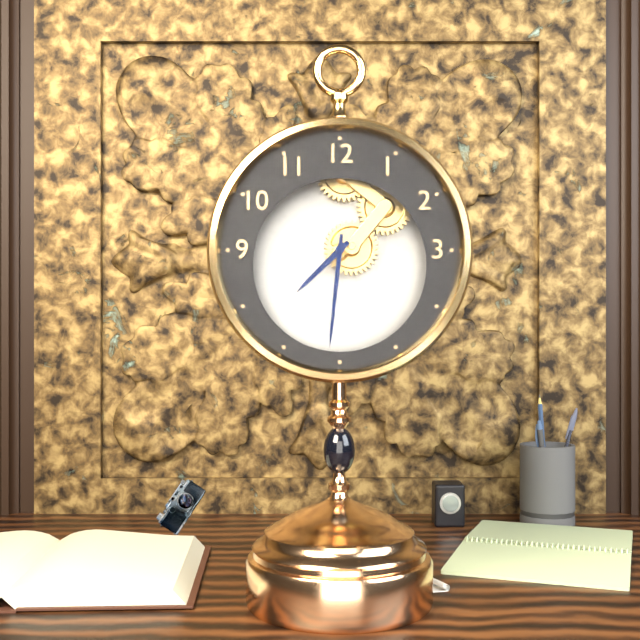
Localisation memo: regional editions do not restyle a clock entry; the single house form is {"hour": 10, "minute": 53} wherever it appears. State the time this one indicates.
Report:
{"hour": 7, "minute": 31}
